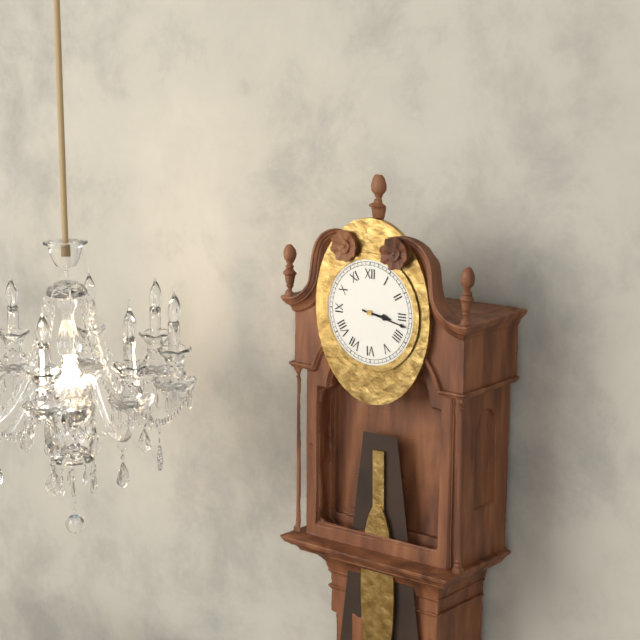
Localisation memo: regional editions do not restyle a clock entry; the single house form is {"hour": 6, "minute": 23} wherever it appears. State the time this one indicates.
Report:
{"hour": 3, "minute": 17}
